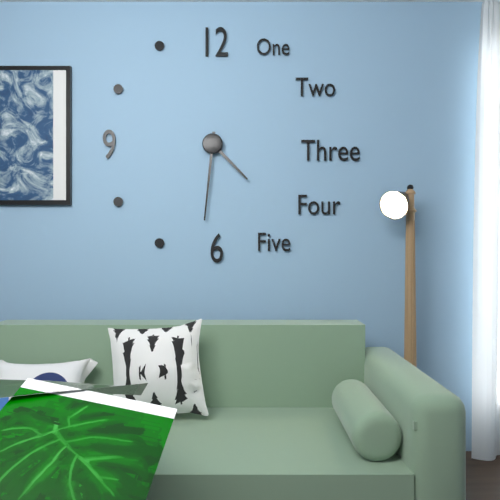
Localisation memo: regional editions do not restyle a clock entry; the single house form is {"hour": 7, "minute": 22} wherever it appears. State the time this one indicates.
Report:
{"hour": 4, "minute": 31}
